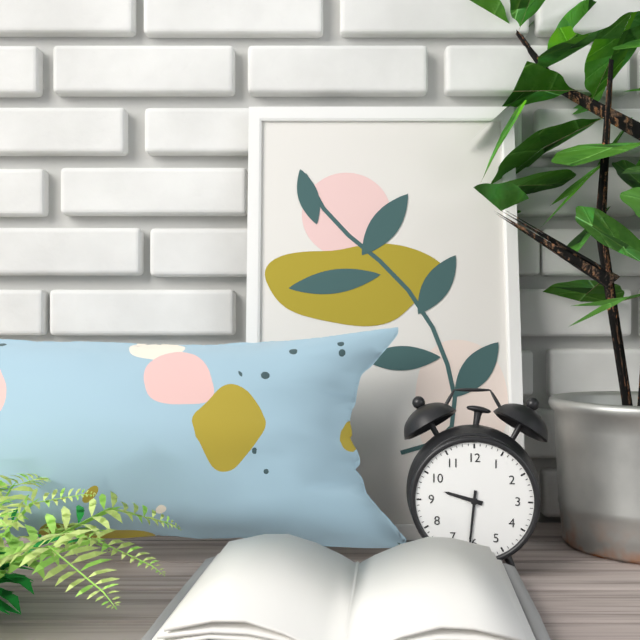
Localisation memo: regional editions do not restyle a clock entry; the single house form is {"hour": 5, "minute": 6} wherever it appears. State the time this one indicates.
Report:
{"hour": 9, "minute": 31}
